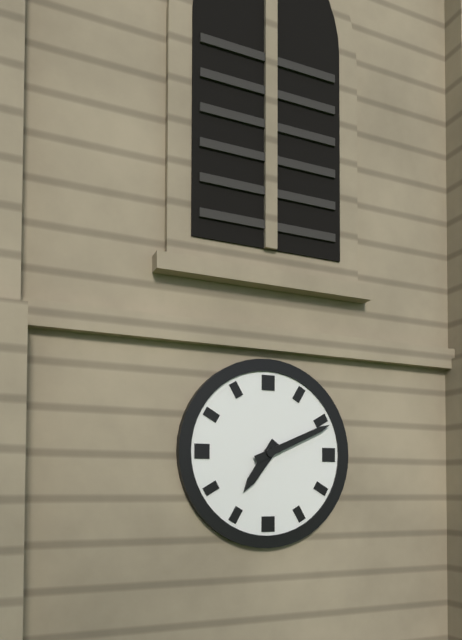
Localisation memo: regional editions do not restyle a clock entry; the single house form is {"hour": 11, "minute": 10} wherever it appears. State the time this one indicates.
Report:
{"hour": 7, "minute": 11}
